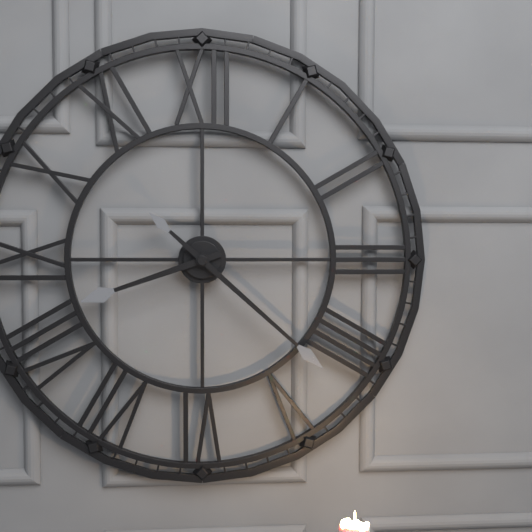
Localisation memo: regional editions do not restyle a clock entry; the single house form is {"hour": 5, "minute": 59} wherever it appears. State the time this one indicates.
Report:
{"hour": 8, "minute": 22}
